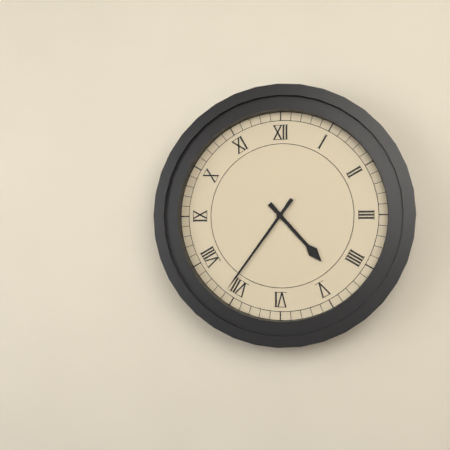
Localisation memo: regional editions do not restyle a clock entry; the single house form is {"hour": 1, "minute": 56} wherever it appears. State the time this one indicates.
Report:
{"hour": 4, "minute": 36}
